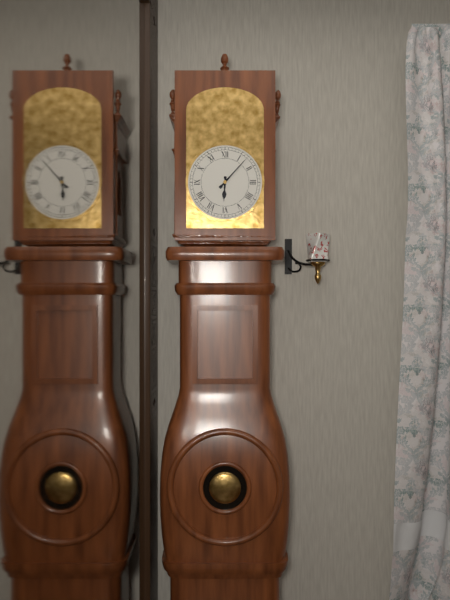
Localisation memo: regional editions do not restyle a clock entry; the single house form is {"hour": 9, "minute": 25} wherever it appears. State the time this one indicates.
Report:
{"hour": 6, "minute": 7}
